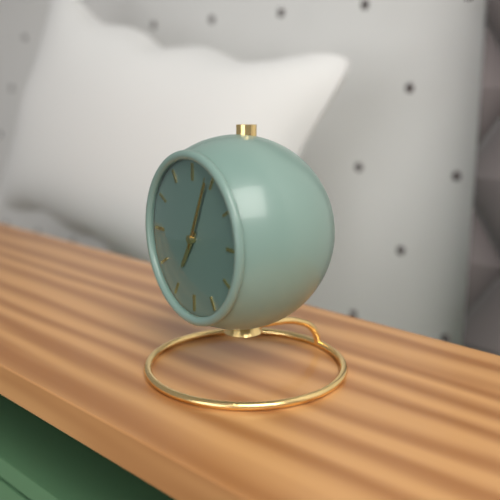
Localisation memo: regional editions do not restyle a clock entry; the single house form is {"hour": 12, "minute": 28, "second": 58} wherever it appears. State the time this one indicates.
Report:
{"hour": 7, "minute": 4, "second": 4}
